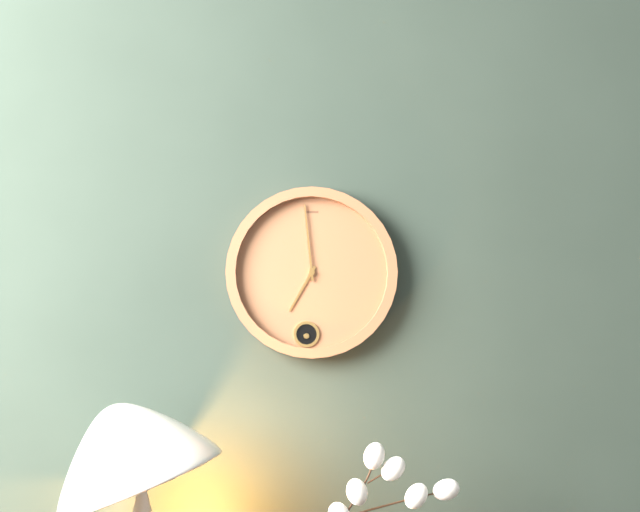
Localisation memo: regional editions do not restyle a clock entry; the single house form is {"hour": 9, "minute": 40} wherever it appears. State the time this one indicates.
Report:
{"hour": 6, "minute": 59}
